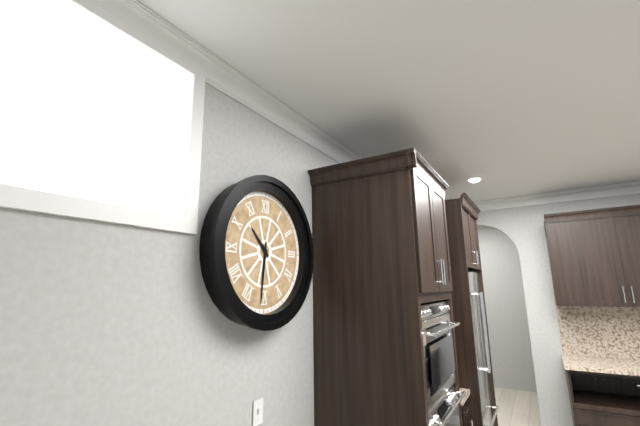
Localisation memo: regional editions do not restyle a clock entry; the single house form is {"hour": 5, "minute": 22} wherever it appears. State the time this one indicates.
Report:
{"hour": 10, "minute": 31}
